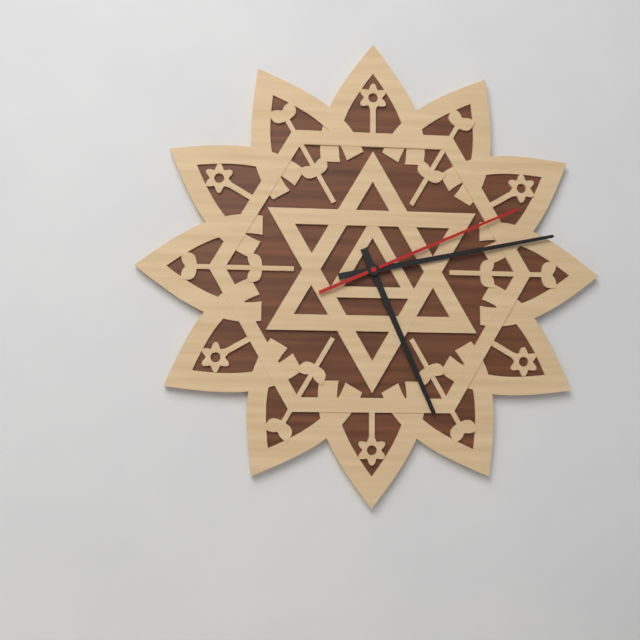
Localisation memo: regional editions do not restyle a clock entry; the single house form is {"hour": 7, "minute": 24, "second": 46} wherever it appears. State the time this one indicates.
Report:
{"hour": 5, "minute": 13, "second": 11}
